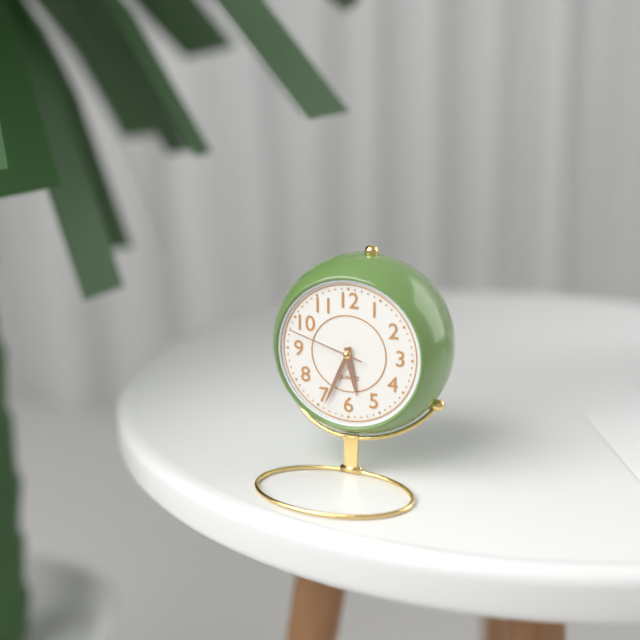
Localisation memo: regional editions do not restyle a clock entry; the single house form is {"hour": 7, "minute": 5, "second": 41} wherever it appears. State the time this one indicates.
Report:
{"hour": 5, "minute": 34, "second": 48}
